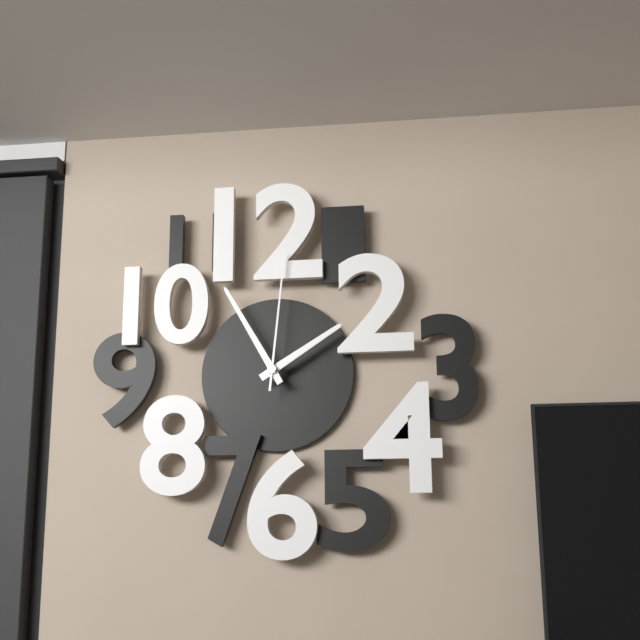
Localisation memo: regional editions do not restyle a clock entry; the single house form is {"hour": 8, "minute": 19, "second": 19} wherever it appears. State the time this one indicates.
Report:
{"hour": 1, "minute": 55, "second": 1}
